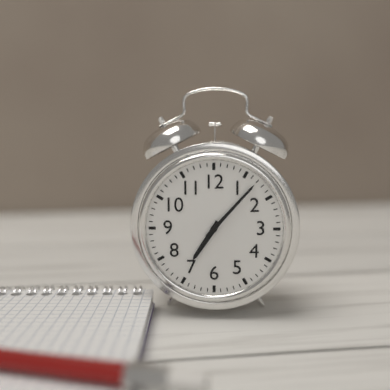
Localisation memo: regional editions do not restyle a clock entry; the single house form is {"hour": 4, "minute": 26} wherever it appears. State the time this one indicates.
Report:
{"hour": 7, "minute": 7}
